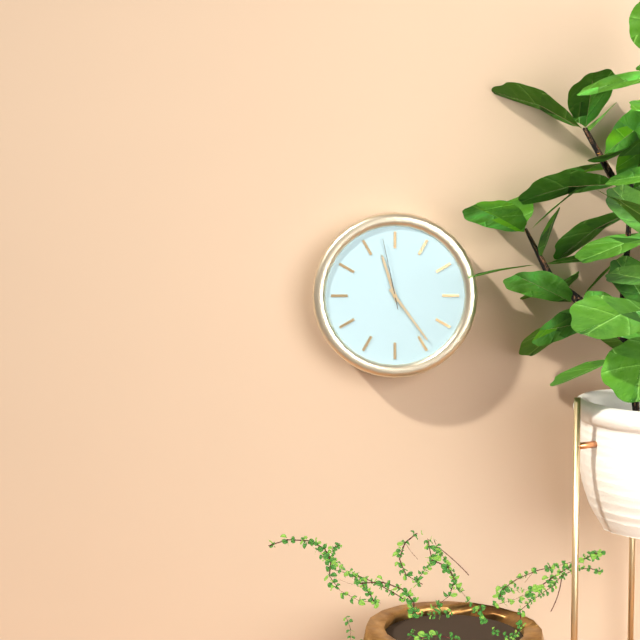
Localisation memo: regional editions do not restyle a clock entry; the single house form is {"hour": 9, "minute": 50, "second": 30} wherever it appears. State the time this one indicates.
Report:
{"hour": 11, "minute": 24, "second": 58}
